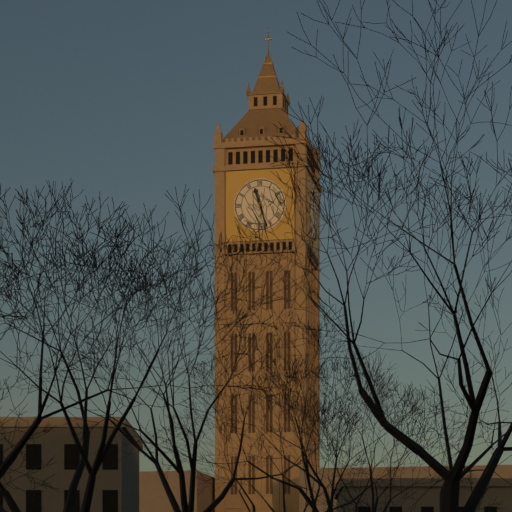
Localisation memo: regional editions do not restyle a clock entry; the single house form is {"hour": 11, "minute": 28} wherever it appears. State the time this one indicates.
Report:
{"hour": 11, "minute": 27}
